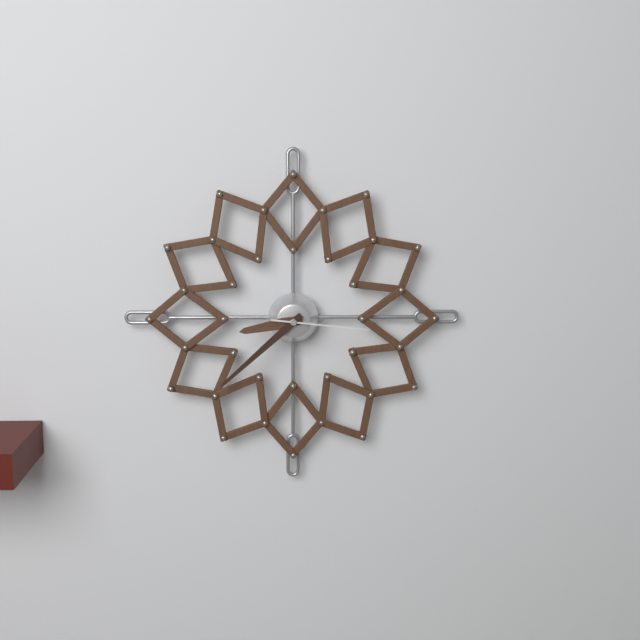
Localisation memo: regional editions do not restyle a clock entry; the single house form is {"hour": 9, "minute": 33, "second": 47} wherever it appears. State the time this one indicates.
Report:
{"hour": 8, "minute": 38, "second": 16}
